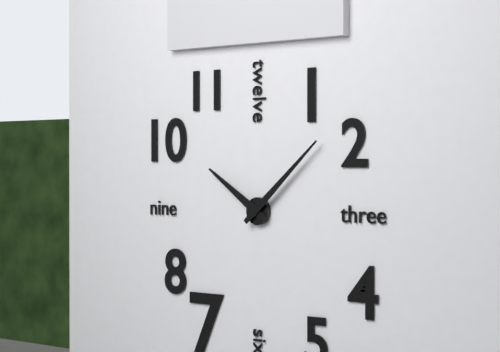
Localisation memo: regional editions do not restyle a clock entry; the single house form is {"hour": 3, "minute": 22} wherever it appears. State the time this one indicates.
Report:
{"hour": 10, "minute": 8}
